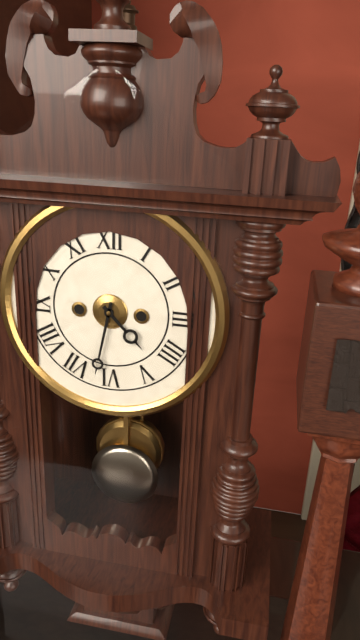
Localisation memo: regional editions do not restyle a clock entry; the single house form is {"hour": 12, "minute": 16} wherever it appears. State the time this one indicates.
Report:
{"hour": 4, "minute": 32}
